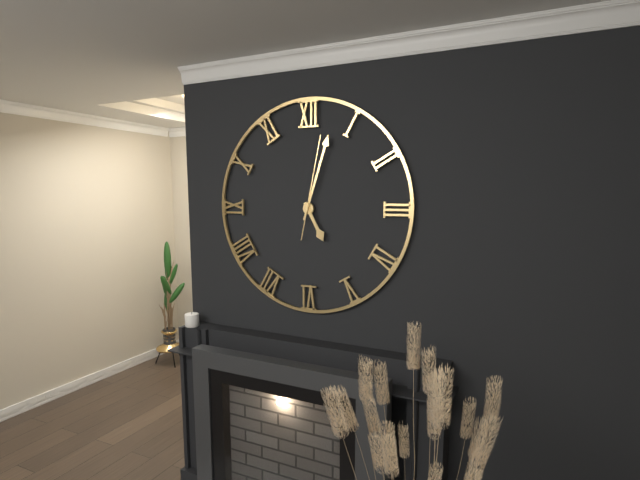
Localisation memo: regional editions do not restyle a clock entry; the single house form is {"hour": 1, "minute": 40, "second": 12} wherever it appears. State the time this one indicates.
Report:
{"hour": 5, "minute": 3, "second": 2}
